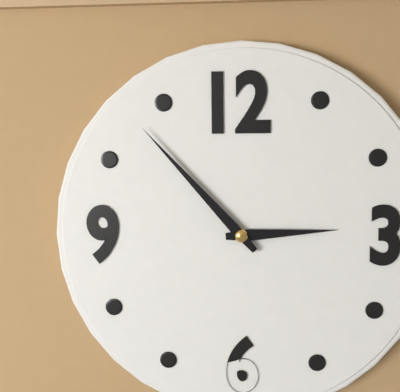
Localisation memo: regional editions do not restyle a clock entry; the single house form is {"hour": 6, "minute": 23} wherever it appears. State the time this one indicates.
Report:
{"hour": 2, "minute": 53}
